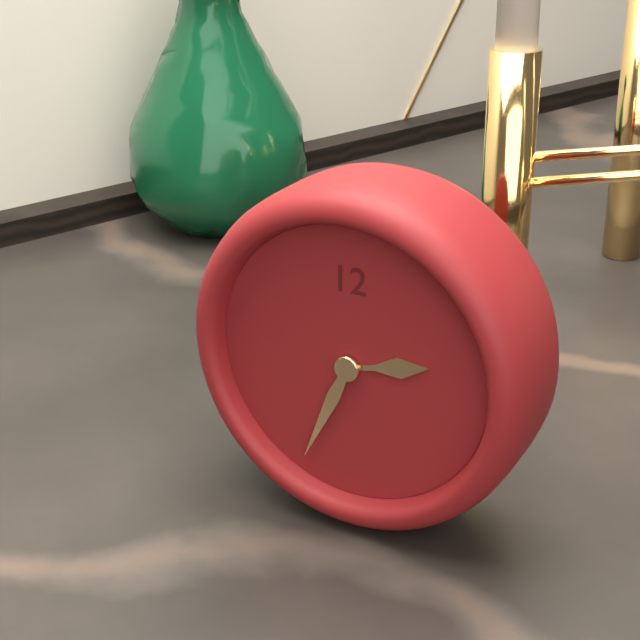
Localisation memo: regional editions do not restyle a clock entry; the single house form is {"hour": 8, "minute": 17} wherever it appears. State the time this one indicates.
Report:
{"hour": 2, "minute": 34}
